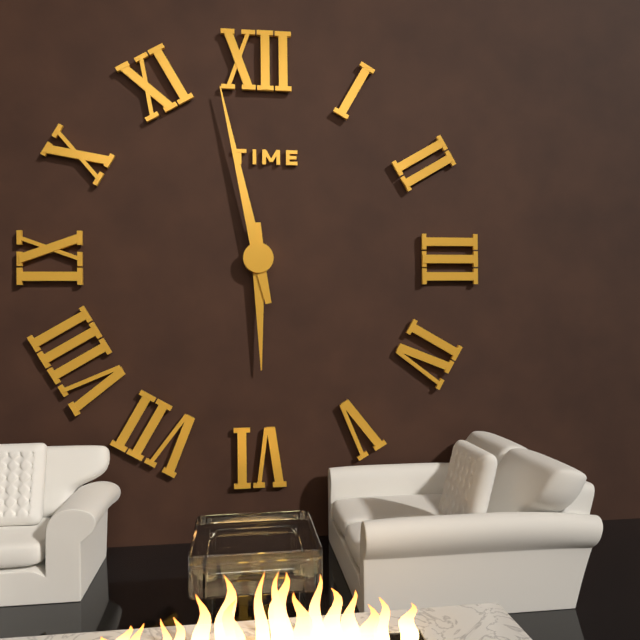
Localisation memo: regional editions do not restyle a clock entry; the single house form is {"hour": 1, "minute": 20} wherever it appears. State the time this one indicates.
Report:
{"hour": 5, "minute": 58}
